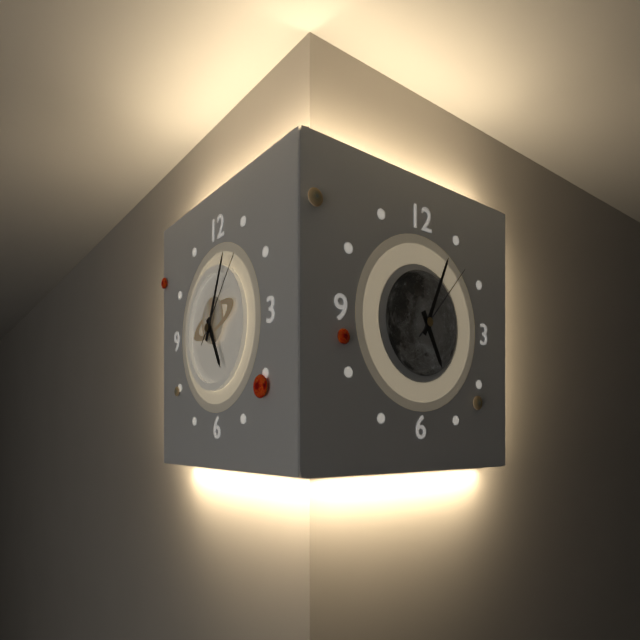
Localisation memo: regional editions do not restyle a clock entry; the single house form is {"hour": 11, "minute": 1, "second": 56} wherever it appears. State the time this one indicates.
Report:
{"hour": 5, "minute": 4, "second": 7}
